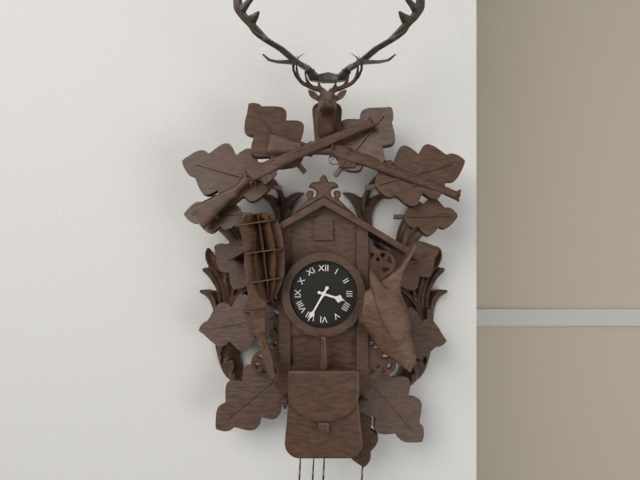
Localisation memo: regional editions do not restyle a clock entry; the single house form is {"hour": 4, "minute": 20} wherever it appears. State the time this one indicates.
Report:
{"hour": 3, "minute": 35}
